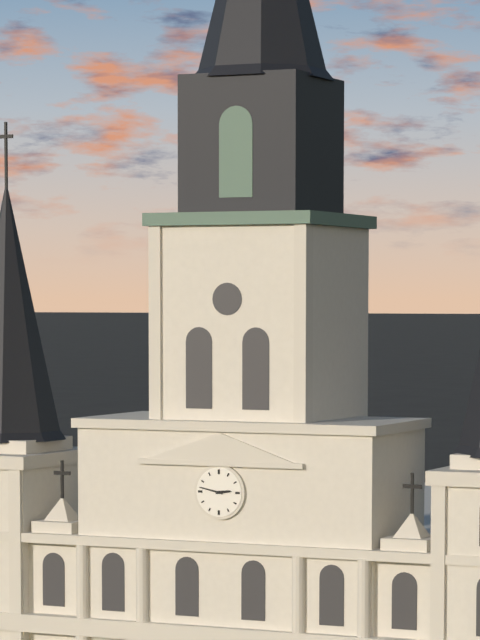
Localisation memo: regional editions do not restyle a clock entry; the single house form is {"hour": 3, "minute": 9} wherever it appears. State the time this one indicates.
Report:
{"hour": 2, "minute": 47}
